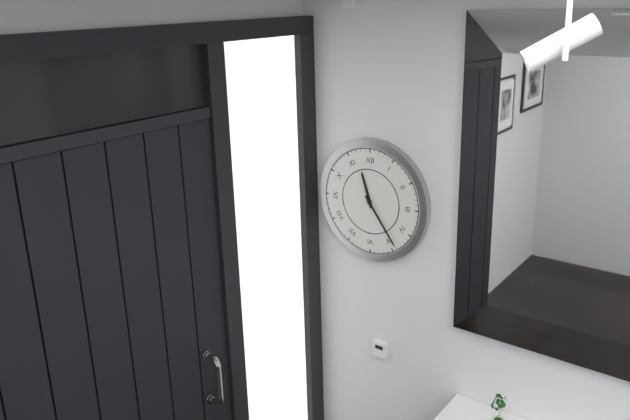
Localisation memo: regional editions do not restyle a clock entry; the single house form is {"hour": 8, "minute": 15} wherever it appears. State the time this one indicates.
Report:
{"hour": 11, "minute": 24}
